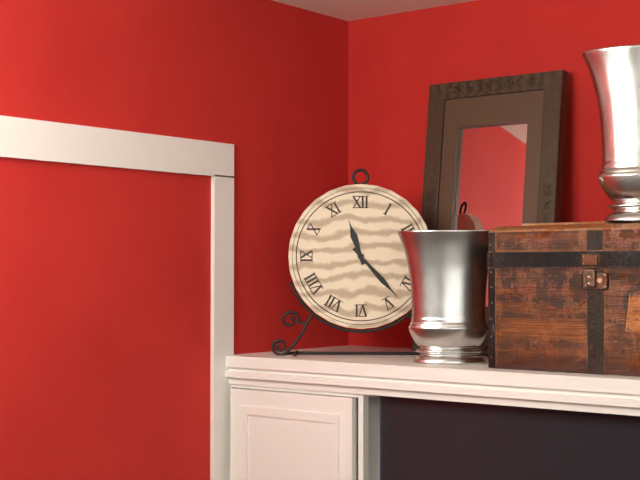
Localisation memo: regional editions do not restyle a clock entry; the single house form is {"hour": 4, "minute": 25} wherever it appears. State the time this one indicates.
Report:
{"hour": 11, "minute": 23}
